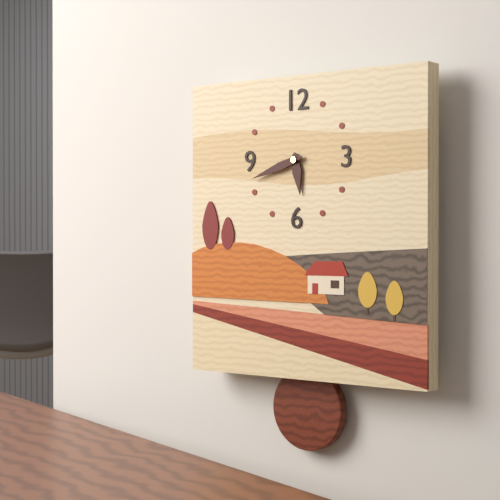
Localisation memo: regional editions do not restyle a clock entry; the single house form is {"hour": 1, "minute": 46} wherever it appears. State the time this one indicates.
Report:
{"hour": 5, "minute": 42}
